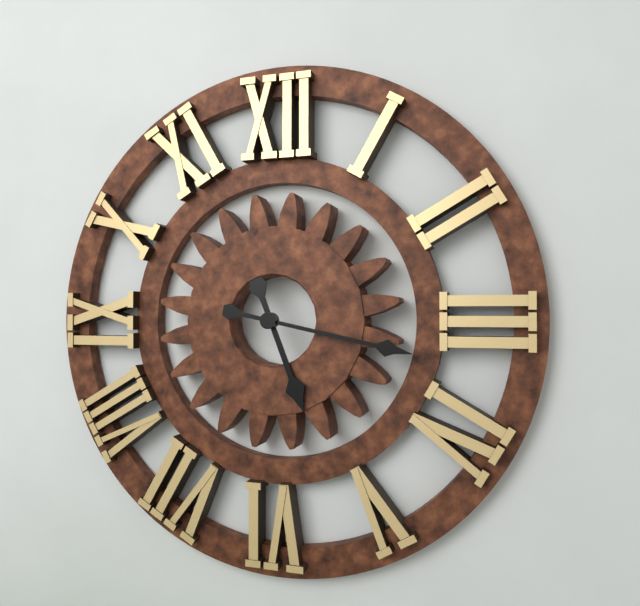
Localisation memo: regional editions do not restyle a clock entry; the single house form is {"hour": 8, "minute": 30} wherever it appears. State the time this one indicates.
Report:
{"hour": 5, "minute": 17}
